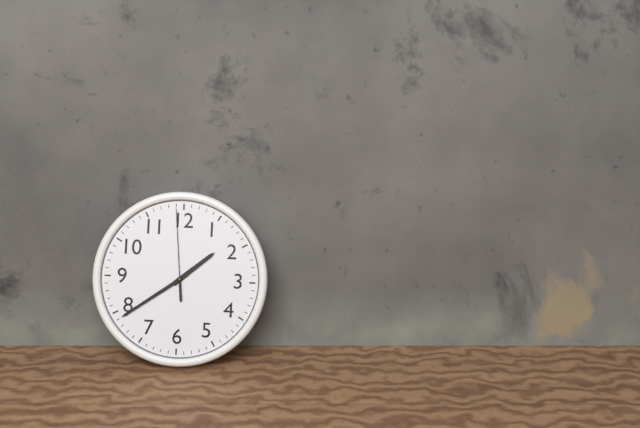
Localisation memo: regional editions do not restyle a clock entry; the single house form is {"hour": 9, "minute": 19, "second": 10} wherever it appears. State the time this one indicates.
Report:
{"hour": 1, "minute": 39, "second": 59}
